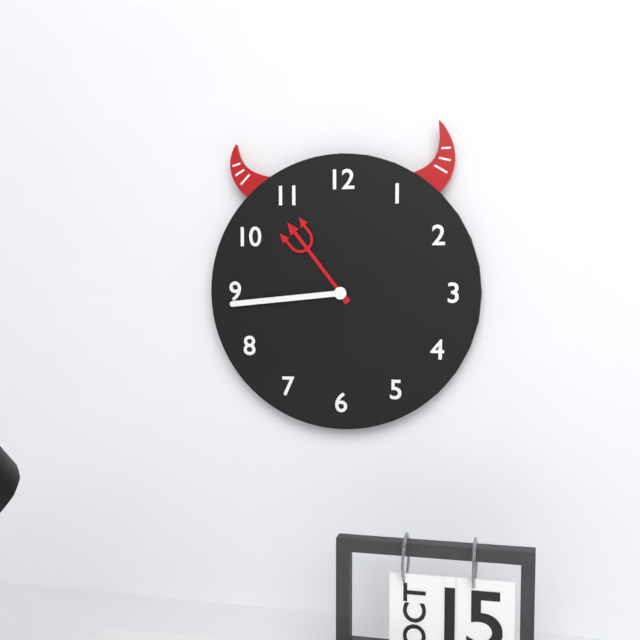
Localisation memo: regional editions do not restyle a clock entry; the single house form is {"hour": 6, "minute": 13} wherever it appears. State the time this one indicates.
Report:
{"hour": 10, "minute": 44}
